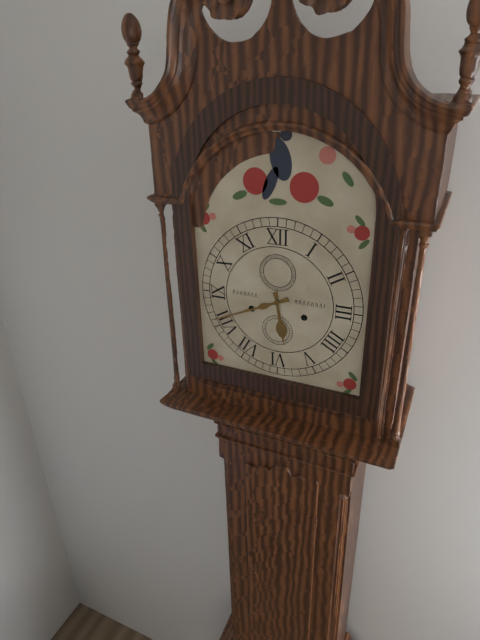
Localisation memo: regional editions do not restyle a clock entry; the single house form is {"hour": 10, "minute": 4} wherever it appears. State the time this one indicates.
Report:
{"hour": 5, "minute": 41}
